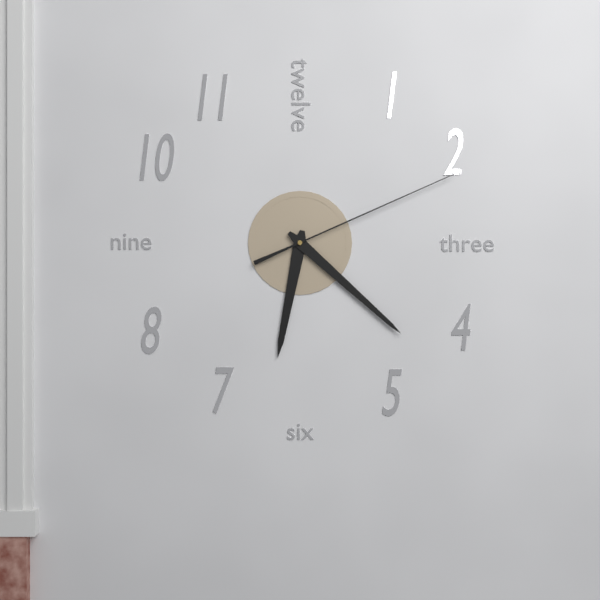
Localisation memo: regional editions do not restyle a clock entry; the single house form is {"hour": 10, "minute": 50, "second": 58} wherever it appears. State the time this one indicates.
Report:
{"hour": 6, "minute": 22, "second": 11}
